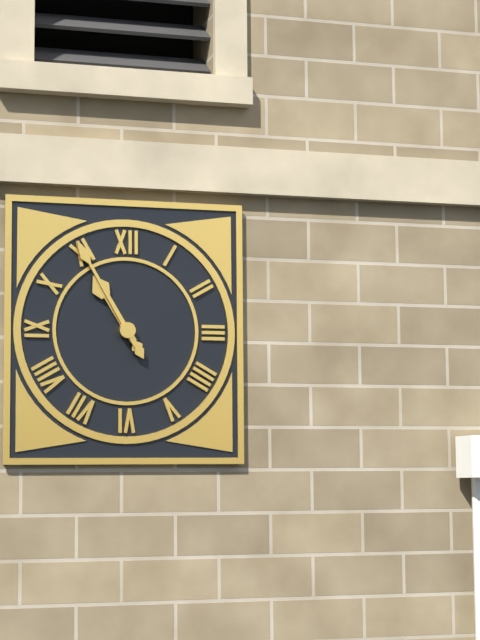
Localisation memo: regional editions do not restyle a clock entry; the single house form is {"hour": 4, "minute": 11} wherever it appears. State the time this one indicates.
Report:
{"hour": 10, "minute": 55}
